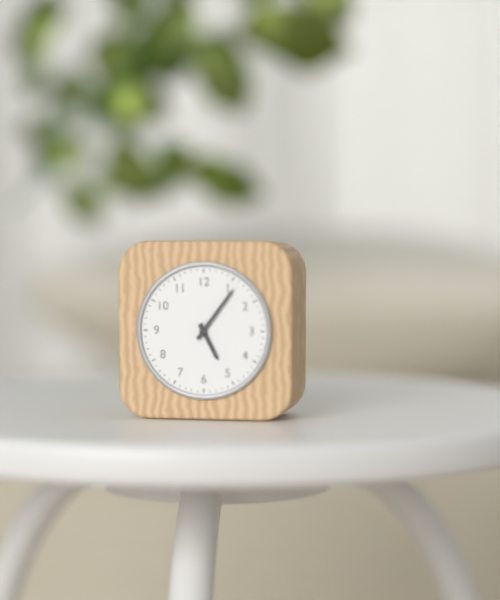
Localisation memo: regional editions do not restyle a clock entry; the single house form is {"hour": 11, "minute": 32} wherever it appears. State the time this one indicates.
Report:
{"hour": 5, "minute": 6}
